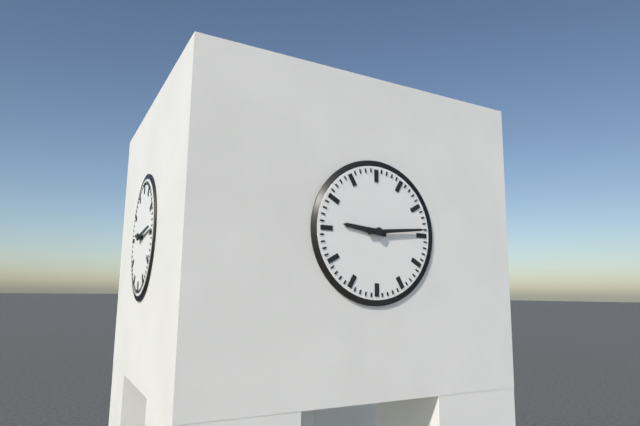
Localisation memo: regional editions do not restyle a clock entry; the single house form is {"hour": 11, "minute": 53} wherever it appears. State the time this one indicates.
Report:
{"hour": 9, "minute": 14}
